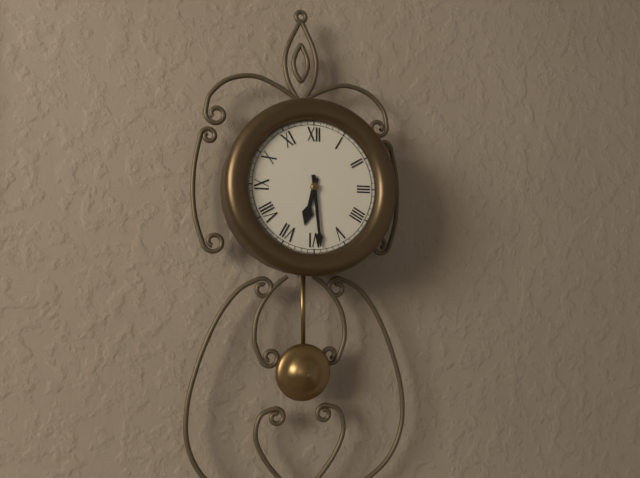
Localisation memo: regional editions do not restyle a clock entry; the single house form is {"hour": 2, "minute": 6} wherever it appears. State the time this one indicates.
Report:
{"hour": 6, "minute": 29}
